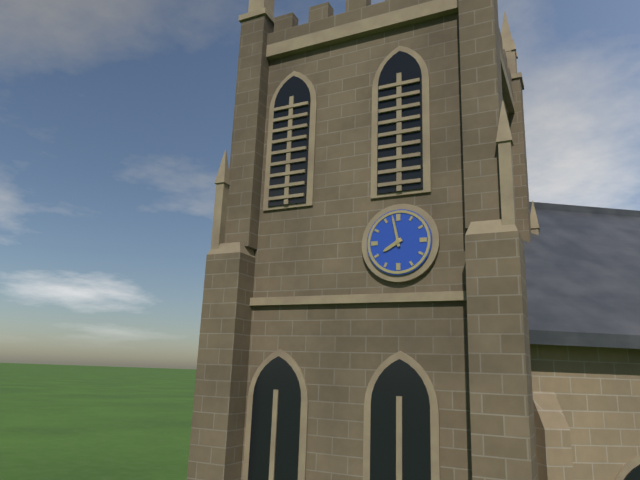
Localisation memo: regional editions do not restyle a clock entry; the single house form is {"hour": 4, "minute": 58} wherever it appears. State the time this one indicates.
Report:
{"hour": 7, "minute": 58}
